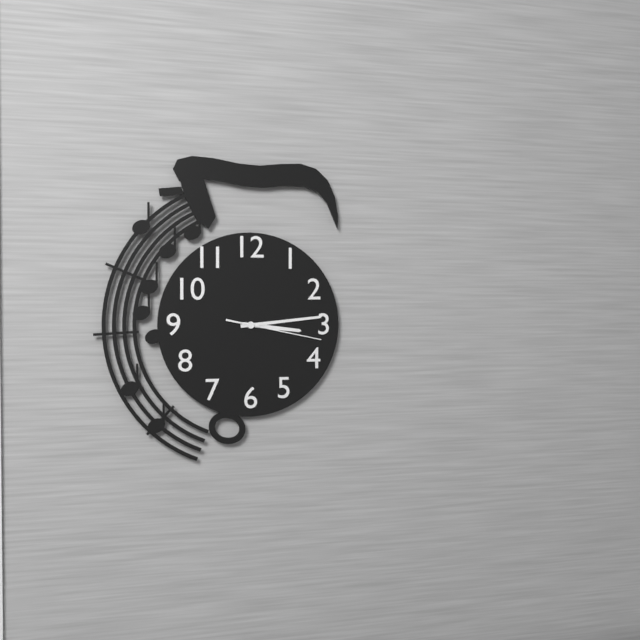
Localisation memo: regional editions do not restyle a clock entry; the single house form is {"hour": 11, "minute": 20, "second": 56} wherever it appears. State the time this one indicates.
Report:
{"hour": 3, "minute": 14, "second": 17}
